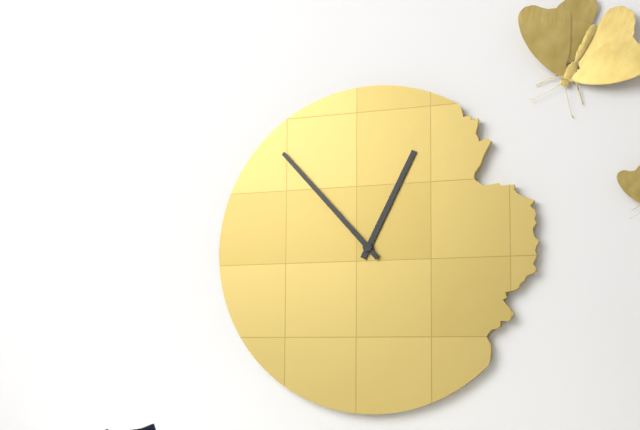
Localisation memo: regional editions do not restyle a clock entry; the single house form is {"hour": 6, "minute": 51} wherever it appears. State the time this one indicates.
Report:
{"hour": 12, "minute": 53}
